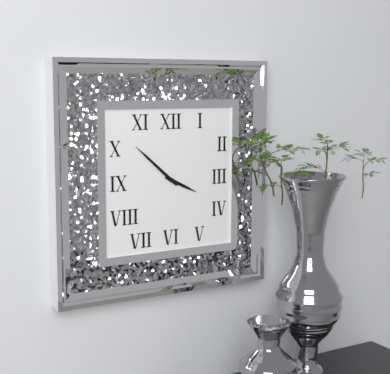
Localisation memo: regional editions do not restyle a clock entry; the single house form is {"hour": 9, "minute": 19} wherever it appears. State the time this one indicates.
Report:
{"hour": 3, "minute": 52}
